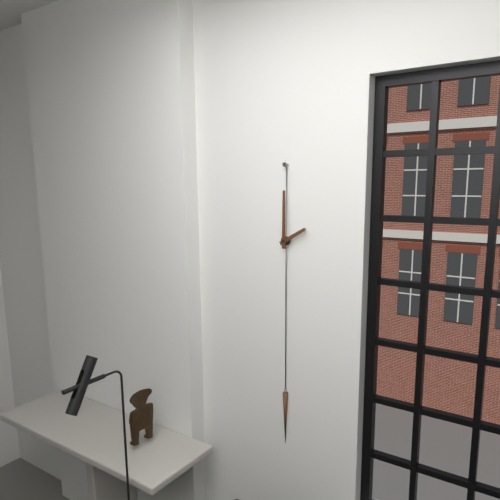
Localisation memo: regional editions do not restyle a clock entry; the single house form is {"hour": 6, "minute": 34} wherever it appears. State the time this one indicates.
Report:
{"hour": 2, "minute": 0}
